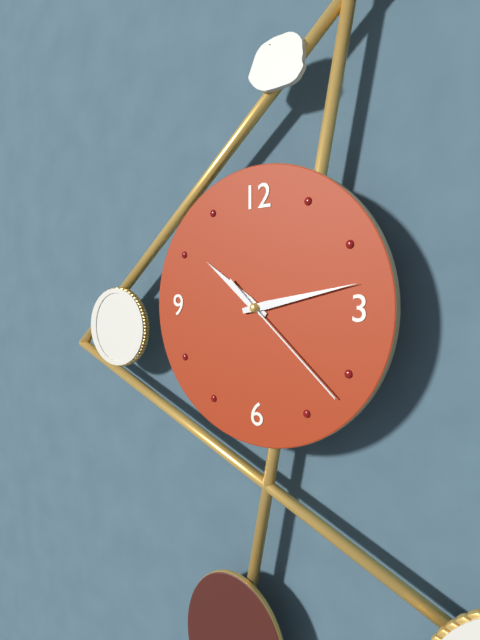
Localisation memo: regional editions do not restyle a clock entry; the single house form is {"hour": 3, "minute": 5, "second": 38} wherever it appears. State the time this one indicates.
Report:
{"hour": 10, "minute": 13, "second": 22}
